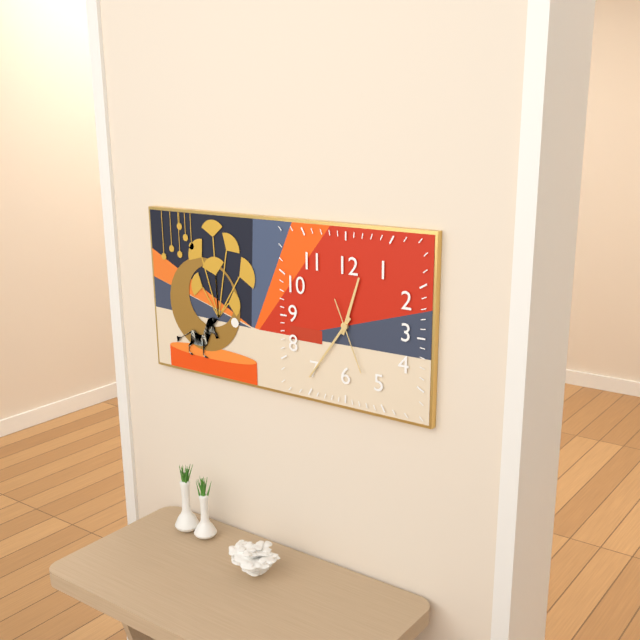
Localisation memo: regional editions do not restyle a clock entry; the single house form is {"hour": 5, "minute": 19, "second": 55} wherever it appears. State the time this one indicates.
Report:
{"hour": 12, "minute": 36, "second": 26}
